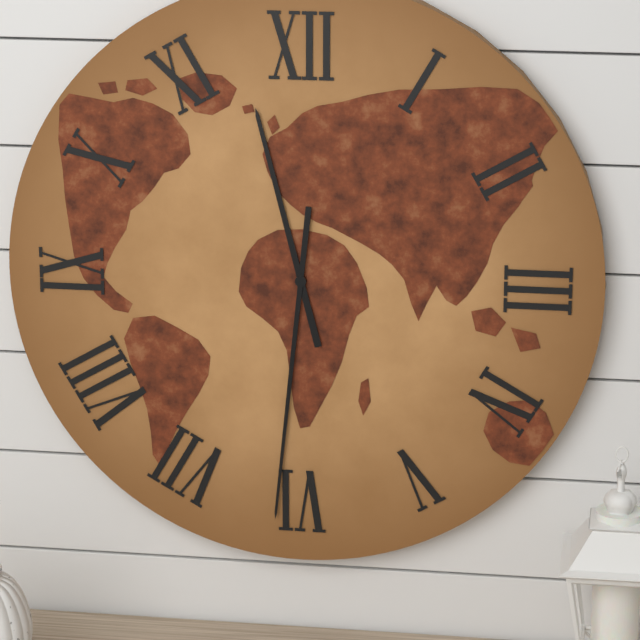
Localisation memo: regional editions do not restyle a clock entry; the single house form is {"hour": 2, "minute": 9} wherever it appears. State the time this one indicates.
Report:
{"hour": 11, "minute": 31}
